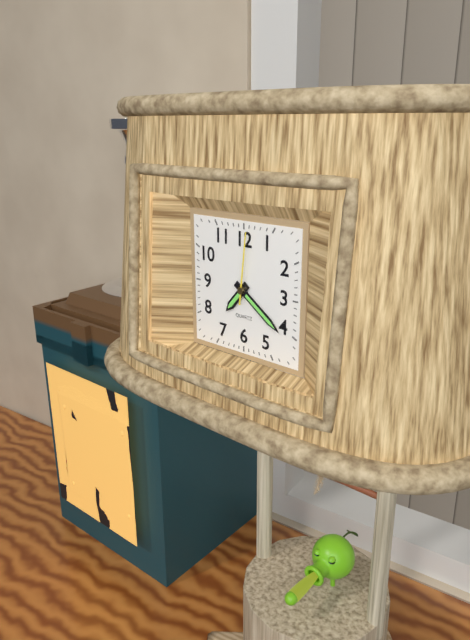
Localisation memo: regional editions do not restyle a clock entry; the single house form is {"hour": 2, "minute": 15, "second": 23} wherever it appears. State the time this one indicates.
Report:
{"hour": 7, "minute": 21, "second": 1}
